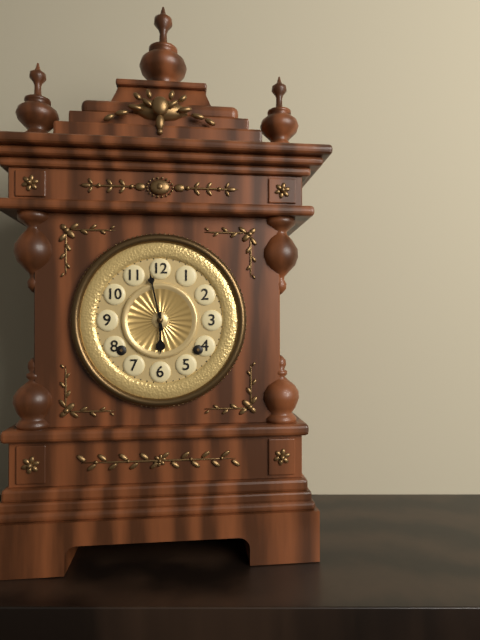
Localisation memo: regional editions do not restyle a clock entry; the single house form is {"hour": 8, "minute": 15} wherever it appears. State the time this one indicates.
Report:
{"hour": 5, "minute": 58}
